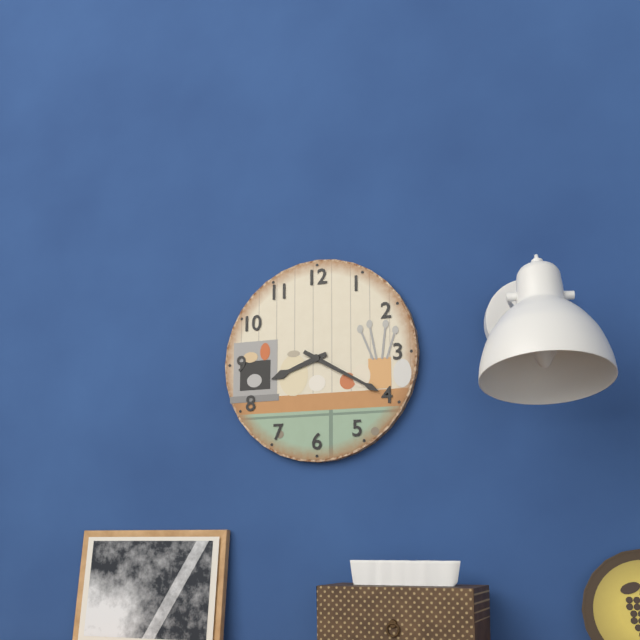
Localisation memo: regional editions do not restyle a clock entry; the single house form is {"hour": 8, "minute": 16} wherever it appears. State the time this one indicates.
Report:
{"hour": 8, "minute": 20}
